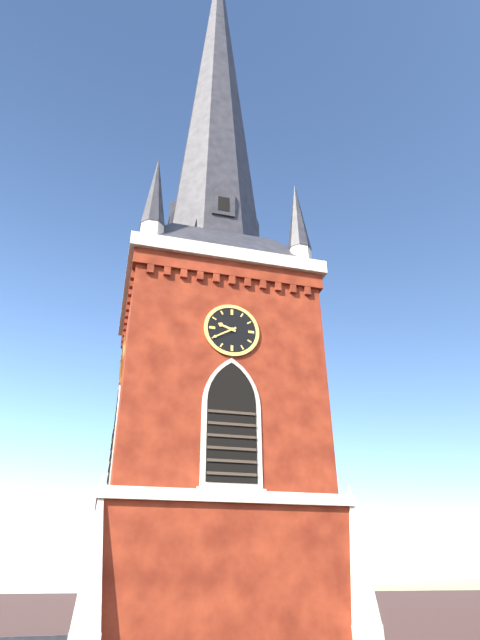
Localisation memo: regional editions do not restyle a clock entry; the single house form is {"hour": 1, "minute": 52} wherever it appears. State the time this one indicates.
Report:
{"hour": 9, "minute": 40}
